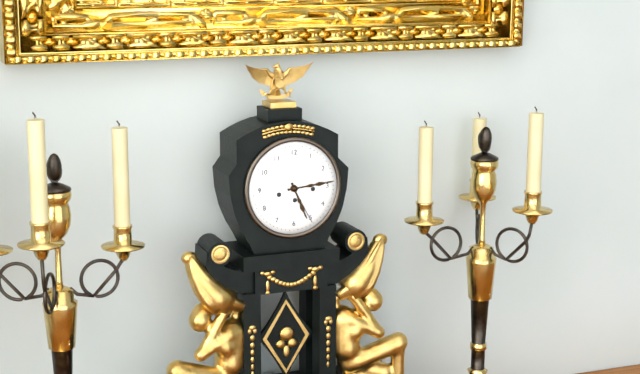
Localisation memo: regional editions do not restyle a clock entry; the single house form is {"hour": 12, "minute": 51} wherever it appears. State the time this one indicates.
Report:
{"hour": 5, "minute": 14}
